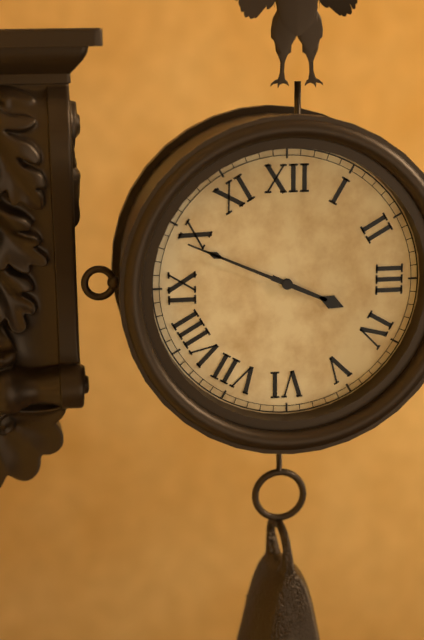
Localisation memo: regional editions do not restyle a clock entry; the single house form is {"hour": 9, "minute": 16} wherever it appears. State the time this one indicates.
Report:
{"hour": 3, "minute": 49}
